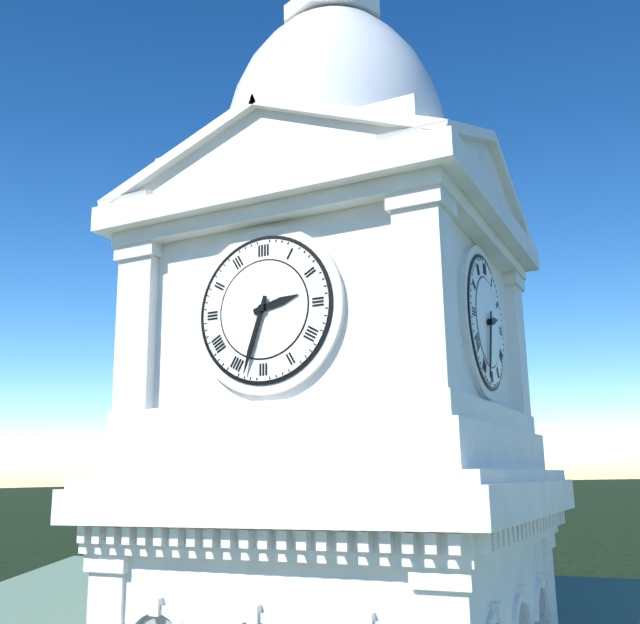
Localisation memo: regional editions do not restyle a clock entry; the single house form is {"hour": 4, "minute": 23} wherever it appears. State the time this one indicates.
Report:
{"hour": 2, "minute": 33}
